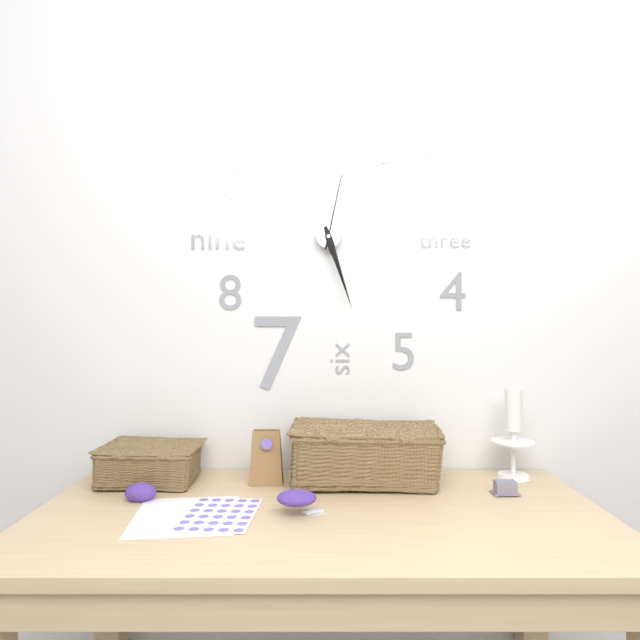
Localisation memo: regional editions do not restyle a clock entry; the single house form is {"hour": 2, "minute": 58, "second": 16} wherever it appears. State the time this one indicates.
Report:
{"hour": 5, "minute": 27, "second": 2}
